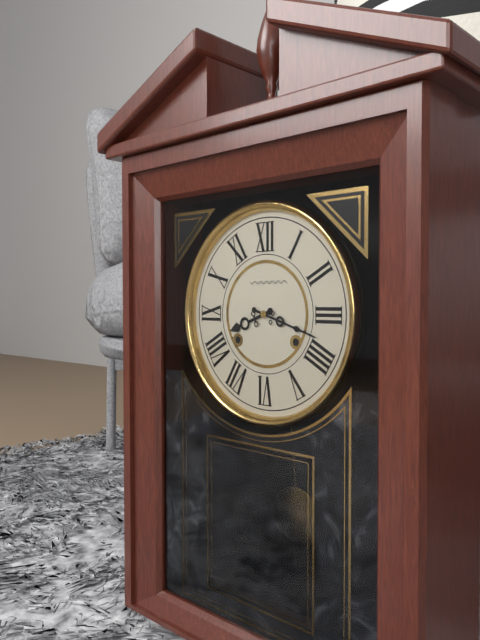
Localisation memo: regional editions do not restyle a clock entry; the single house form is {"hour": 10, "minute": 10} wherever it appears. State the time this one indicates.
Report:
{"hour": 8, "minute": 18}
